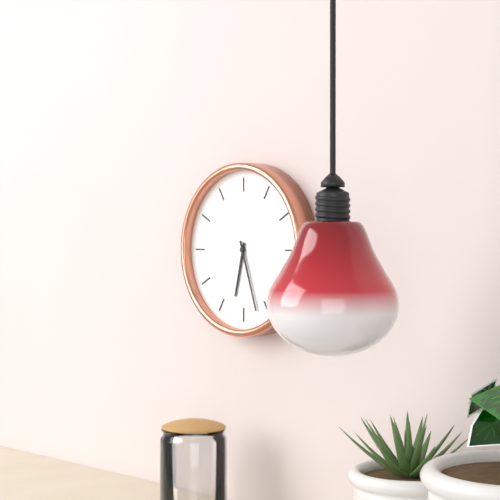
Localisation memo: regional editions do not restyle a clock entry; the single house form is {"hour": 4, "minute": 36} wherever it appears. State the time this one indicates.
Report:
{"hour": 6, "minute": 27}
